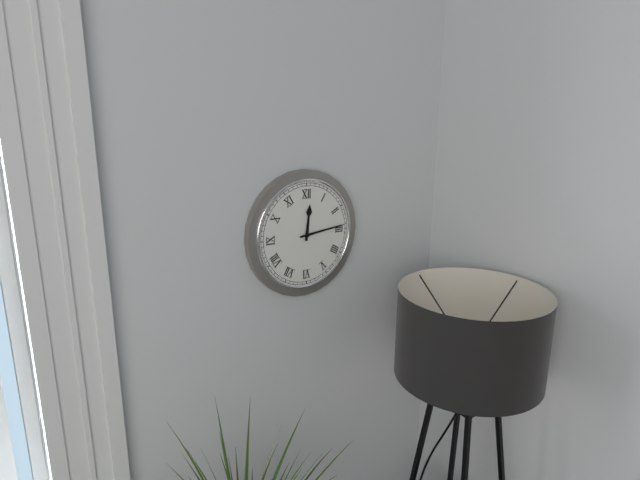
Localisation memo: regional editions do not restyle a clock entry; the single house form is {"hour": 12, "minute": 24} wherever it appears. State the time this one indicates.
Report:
{"hour": 12, "minute": 14}
